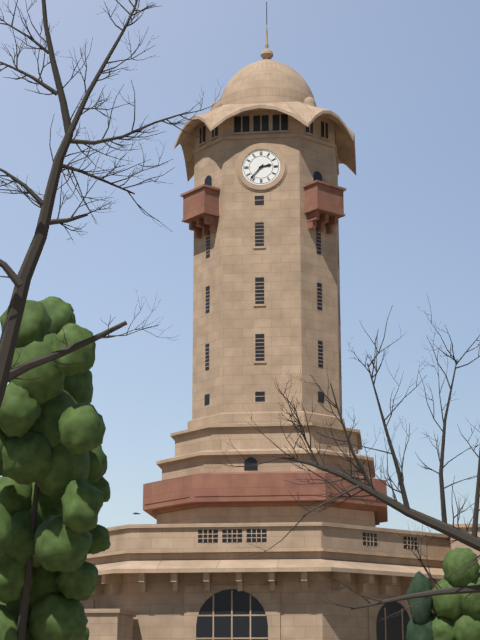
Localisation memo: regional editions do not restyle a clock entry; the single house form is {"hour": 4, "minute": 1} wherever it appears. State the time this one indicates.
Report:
{"hour": 2, "minute": 37}
